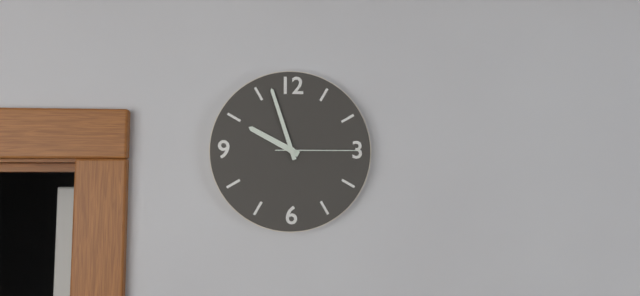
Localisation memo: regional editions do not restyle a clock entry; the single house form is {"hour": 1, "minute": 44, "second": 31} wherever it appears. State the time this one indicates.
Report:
{"hour": 9, "minute": 57, "second": 15}
